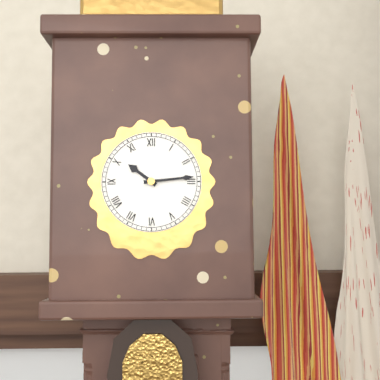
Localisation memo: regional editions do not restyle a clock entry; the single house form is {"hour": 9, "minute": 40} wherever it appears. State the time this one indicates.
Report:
{"hour": 10, "minute": 14}
